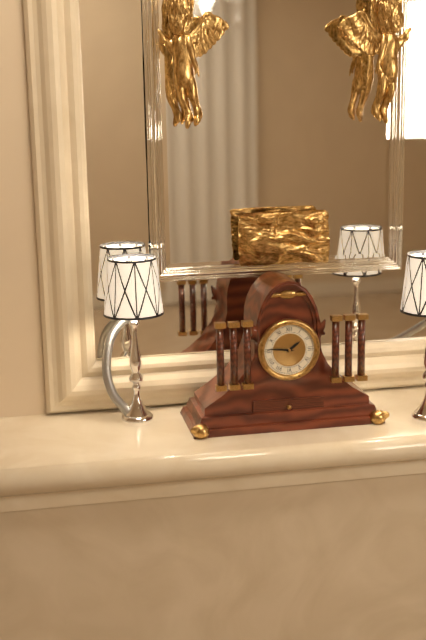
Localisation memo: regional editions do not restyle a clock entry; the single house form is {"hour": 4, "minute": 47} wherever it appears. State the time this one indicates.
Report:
{"hour": 1, "minute": 46}
